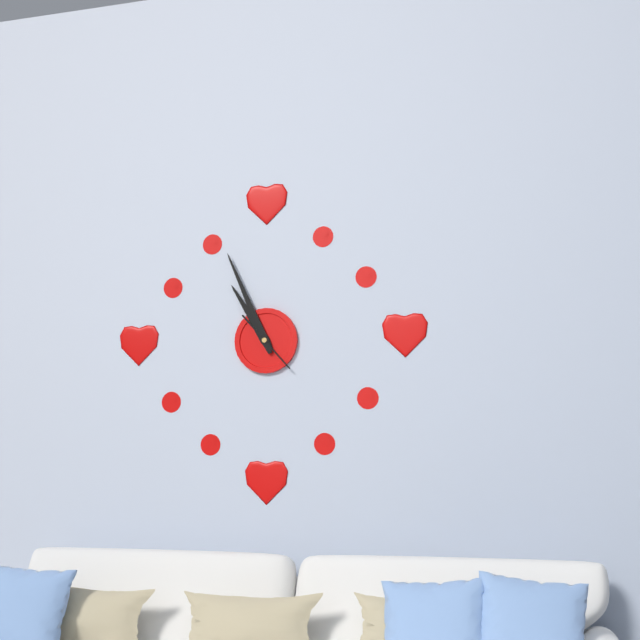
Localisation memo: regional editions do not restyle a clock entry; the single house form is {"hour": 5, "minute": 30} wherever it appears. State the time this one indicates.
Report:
{"hour": 10, "minute": 56}
